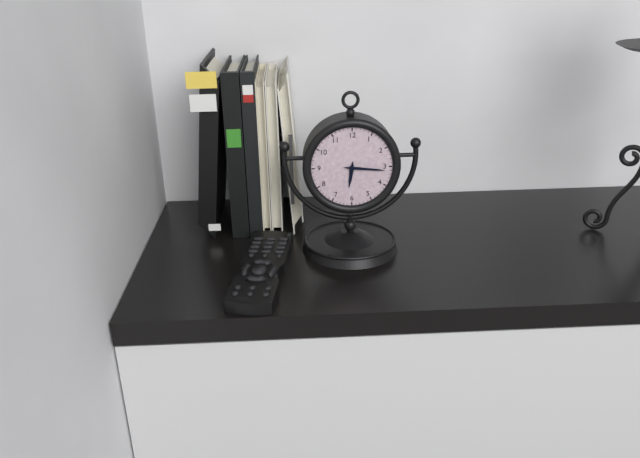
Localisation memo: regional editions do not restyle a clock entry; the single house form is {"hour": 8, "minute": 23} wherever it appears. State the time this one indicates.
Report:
{"hour": 6, "minute": 16}
